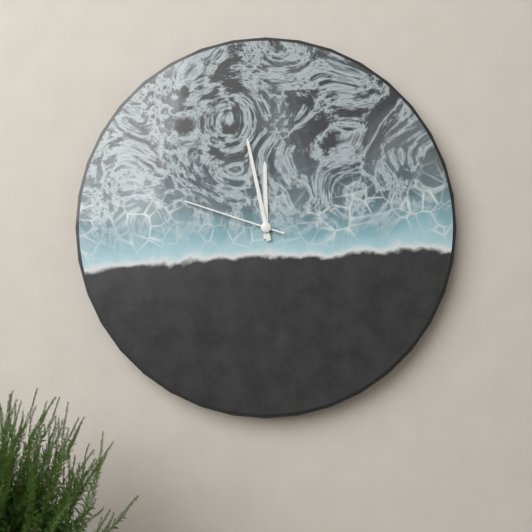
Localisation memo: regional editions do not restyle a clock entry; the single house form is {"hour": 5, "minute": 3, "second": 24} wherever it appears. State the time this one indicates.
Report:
{"hour": 11, "minute": 58, "second": 48}
